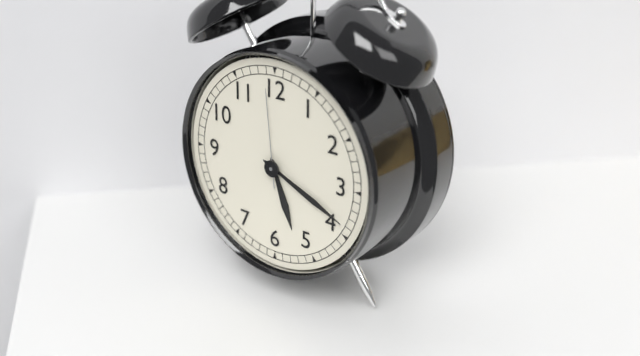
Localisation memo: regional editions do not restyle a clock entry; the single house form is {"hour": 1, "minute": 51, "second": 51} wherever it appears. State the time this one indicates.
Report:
{"hour": 5, "minute": 19, "second": 59}
